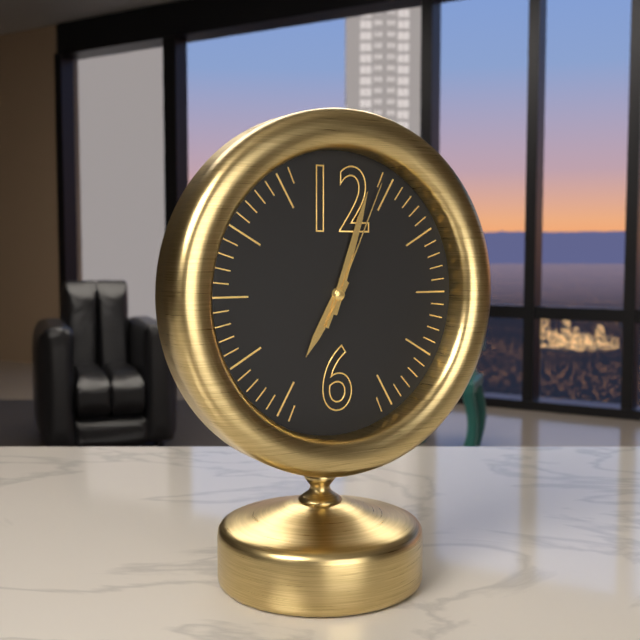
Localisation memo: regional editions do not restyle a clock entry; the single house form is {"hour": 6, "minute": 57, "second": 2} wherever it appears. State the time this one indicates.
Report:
{"hour": 7, "minute": 3, "second": 4}
